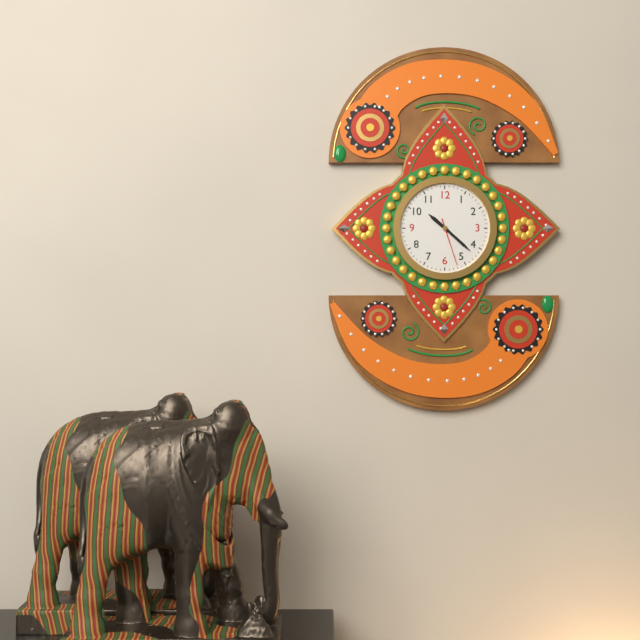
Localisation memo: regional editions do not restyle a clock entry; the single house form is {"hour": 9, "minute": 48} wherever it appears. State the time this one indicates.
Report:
{"hour": 10, "minute": 22}
